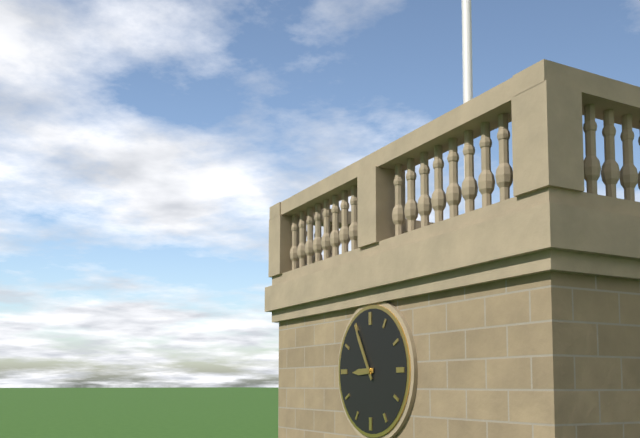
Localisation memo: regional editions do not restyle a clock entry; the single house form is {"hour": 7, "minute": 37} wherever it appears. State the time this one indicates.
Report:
{"hour": 8, "minute": 55}
